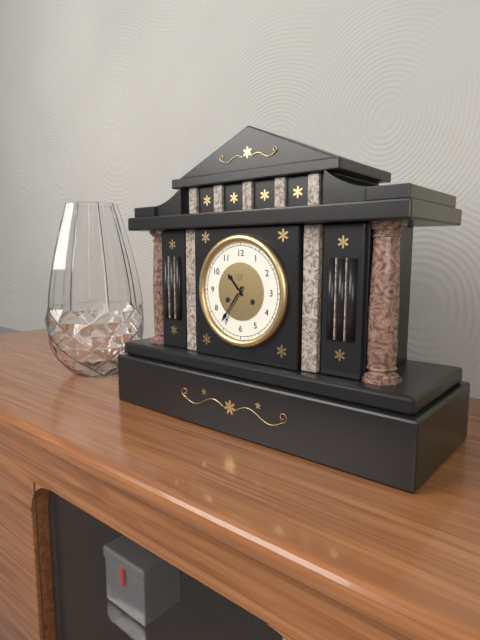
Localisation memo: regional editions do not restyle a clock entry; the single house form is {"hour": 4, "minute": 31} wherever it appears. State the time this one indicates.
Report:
{"hour": 10, "minute": 36}
